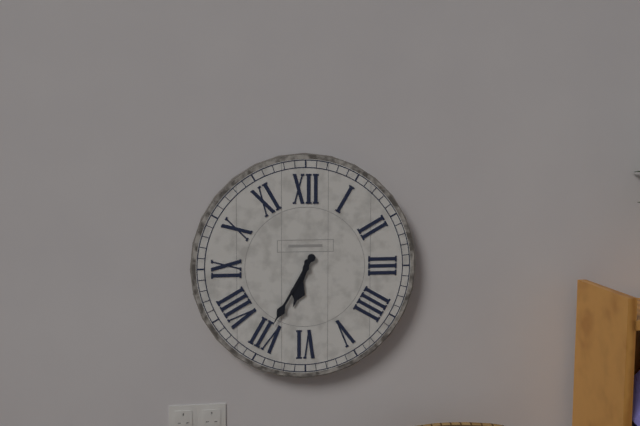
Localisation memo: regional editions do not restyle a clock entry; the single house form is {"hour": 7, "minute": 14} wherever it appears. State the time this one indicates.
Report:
{"hour": 6, "minute": 35}
